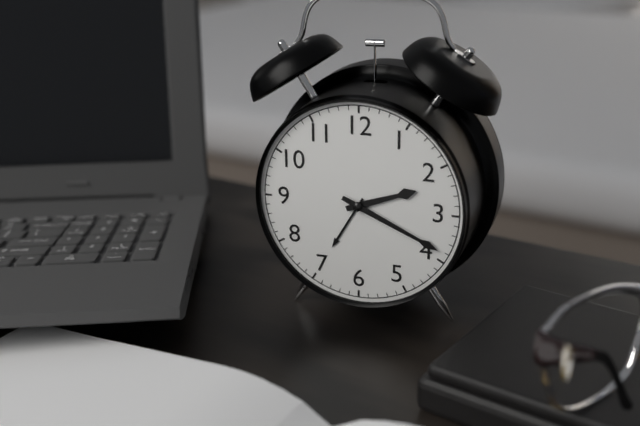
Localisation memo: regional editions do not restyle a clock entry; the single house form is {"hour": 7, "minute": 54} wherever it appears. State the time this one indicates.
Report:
{"hour": 2, "minute": 19}
